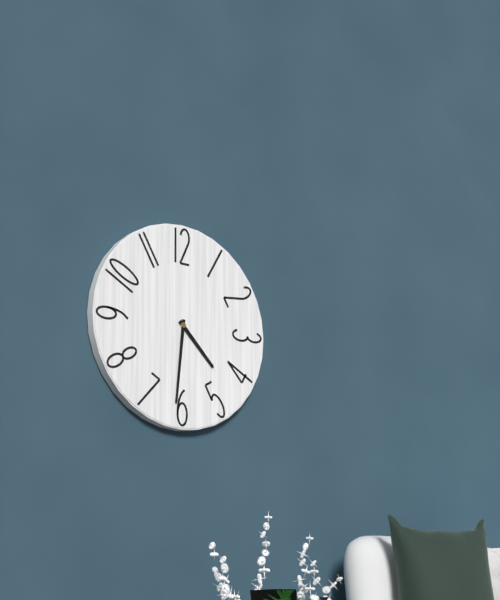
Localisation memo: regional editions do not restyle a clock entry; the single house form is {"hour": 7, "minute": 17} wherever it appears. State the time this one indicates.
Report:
{"hour": 4, "minute": 31}
